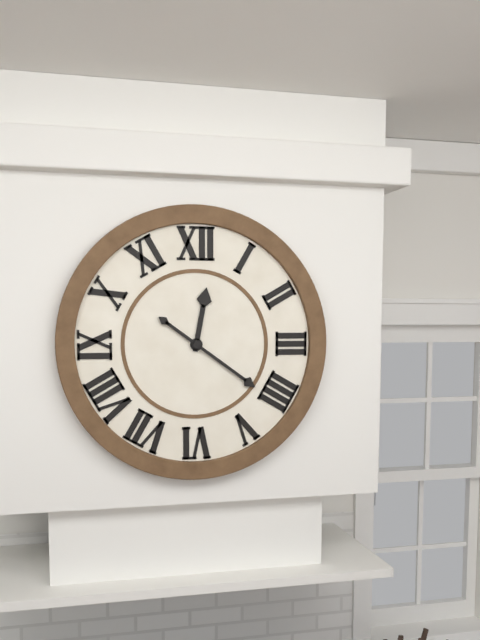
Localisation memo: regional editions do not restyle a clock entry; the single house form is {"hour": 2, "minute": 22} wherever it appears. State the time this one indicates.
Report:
{"hour": 12, "minute": 21}
